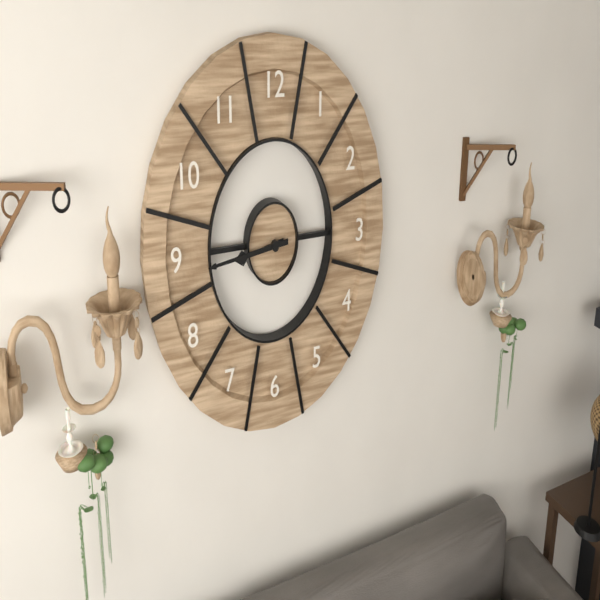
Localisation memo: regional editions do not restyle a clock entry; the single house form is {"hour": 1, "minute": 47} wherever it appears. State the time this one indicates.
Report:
{"hour": 8, "minute": 44}
